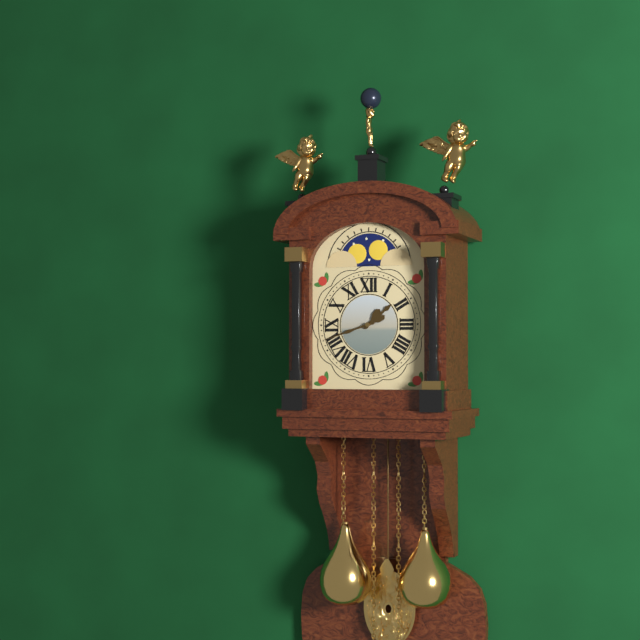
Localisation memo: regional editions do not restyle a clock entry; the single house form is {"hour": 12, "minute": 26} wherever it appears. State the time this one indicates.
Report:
{"hour": 1, "minute": 42}
